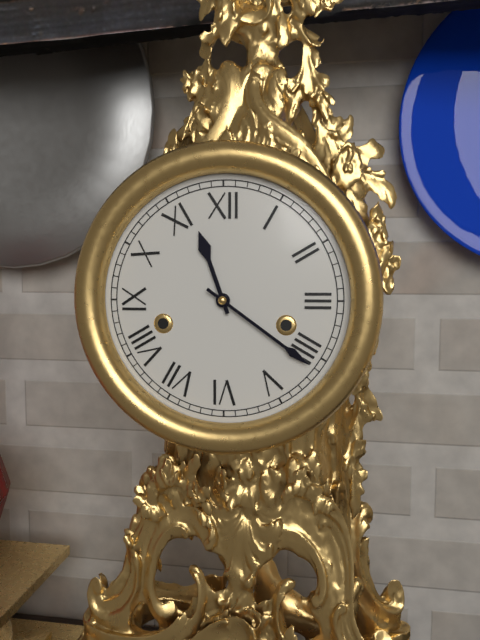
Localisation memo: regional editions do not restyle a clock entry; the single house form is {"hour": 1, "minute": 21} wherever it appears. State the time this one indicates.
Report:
{"hour": 11, "minute": 21}
